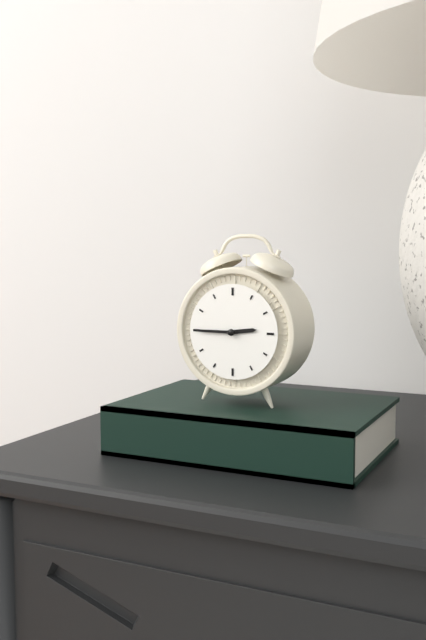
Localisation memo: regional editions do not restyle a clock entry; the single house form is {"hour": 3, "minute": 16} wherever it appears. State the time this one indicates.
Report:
{"hour": 2, "minute": 45}
